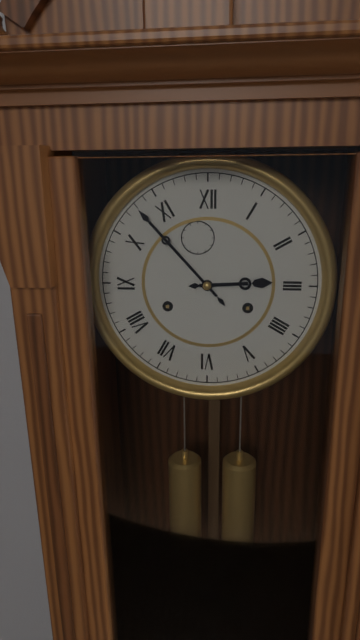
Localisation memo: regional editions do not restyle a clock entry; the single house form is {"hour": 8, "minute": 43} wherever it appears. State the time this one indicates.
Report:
{"hour": 2, "minute": 53}
